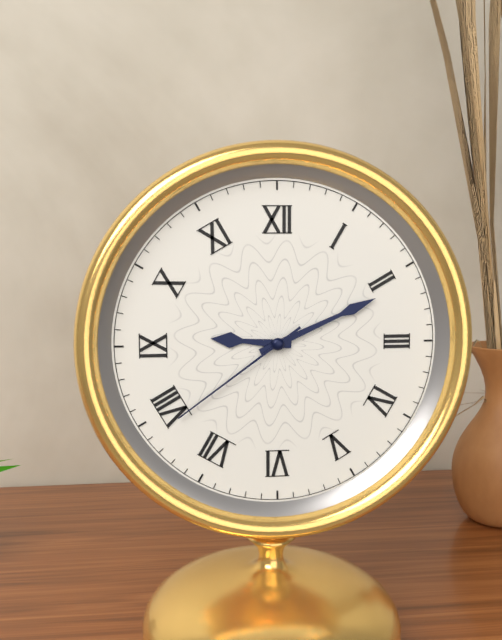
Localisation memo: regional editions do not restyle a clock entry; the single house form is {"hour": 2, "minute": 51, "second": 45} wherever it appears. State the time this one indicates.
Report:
{"hour": 9, "minute": 11, "second": 39}
